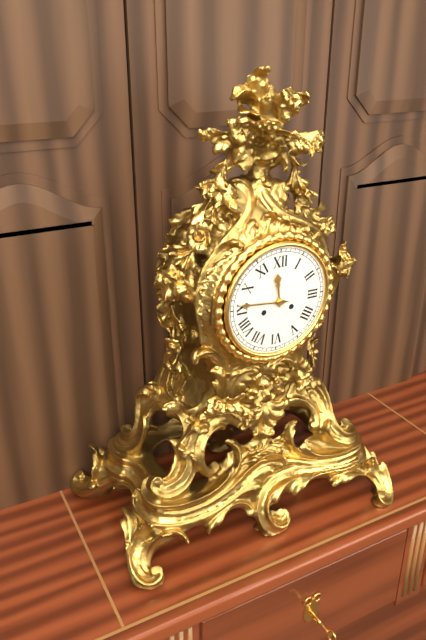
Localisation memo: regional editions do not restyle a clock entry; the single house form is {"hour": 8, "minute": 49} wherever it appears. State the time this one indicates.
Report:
{"hour": 11, "minute": 46}
